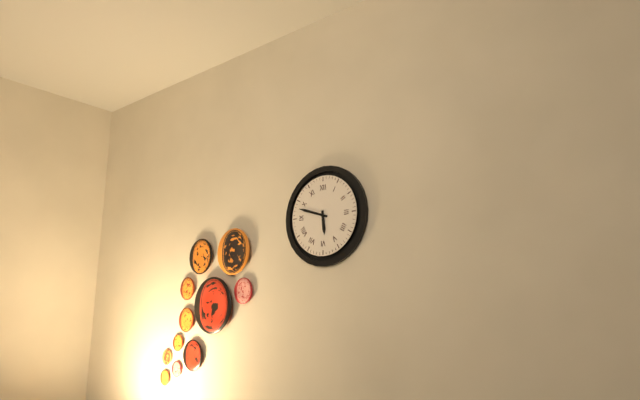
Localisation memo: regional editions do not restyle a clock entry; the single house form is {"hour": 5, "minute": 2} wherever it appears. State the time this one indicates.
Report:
{"hour": 5, "minute": 48}
